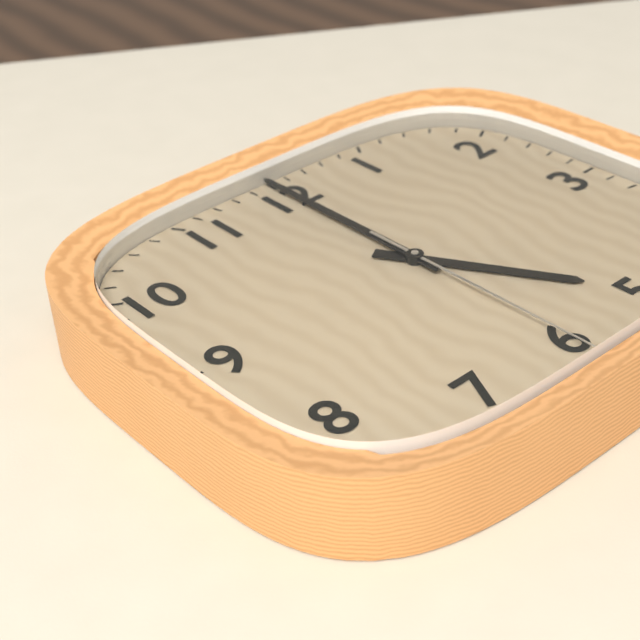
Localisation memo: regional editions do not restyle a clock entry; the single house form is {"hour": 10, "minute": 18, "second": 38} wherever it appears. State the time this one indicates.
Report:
{"hour": 5, "minute": 0, "second": 30}
